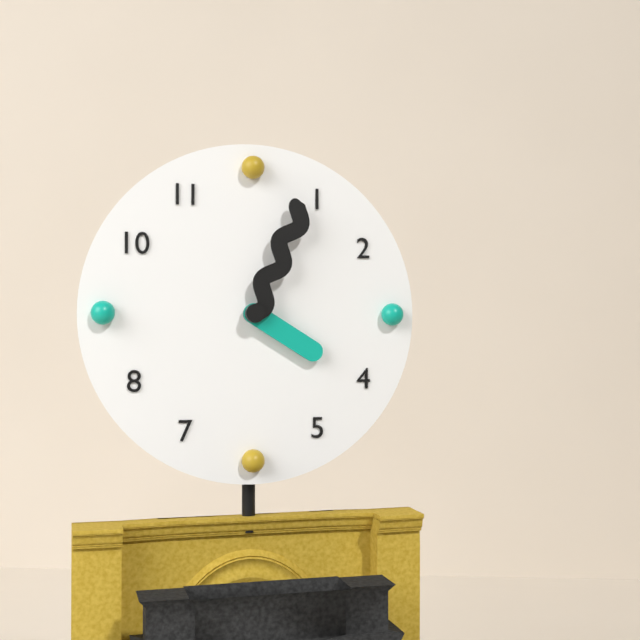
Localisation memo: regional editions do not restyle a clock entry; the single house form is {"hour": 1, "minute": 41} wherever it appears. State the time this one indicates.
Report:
{"hour": 4, "minute": 4}
